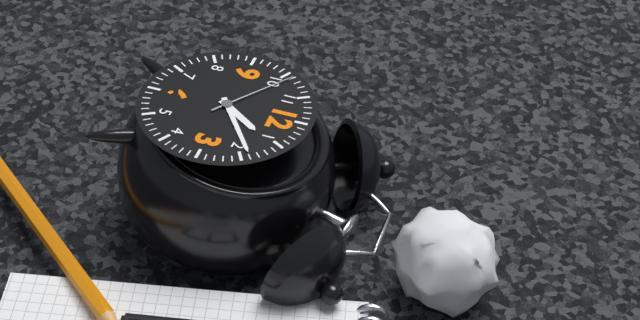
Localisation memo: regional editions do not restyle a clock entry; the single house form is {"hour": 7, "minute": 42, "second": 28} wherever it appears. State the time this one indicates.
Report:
{"hour": 1, "minute": 9, "second": 51}
